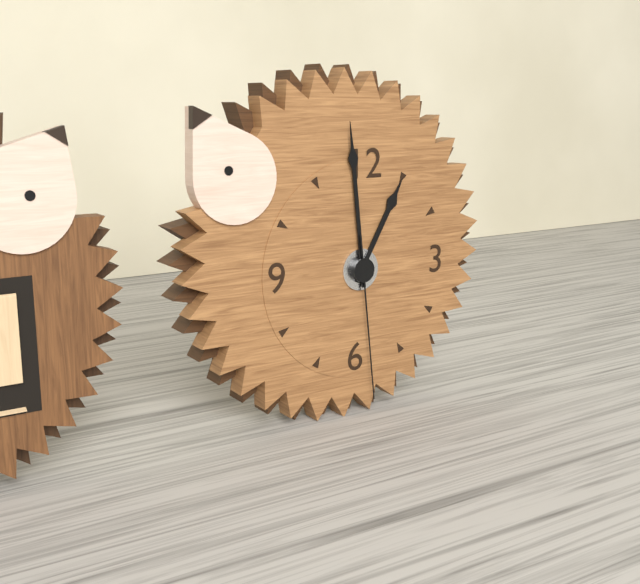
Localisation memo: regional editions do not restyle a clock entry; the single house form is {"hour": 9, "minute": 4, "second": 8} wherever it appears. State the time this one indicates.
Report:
{"hour": 12, "minute": 59, "second": 29}
